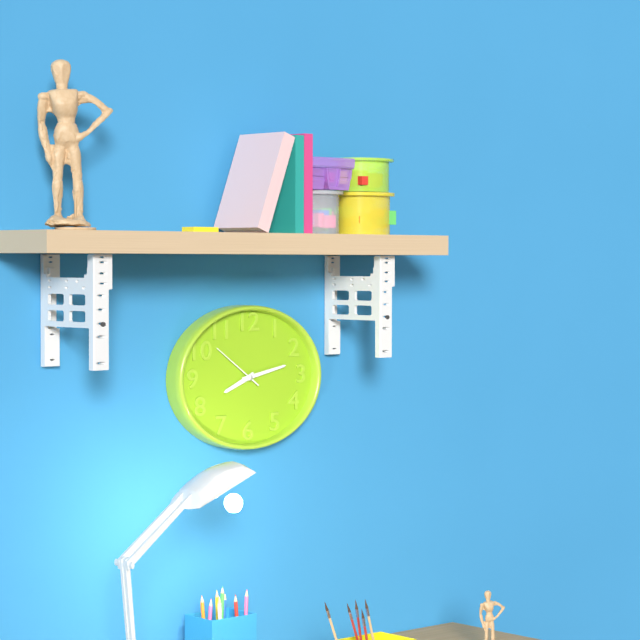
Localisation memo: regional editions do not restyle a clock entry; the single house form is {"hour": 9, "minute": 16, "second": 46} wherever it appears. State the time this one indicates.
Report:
{"hour": 8, "minute": 13, "second": 51}
